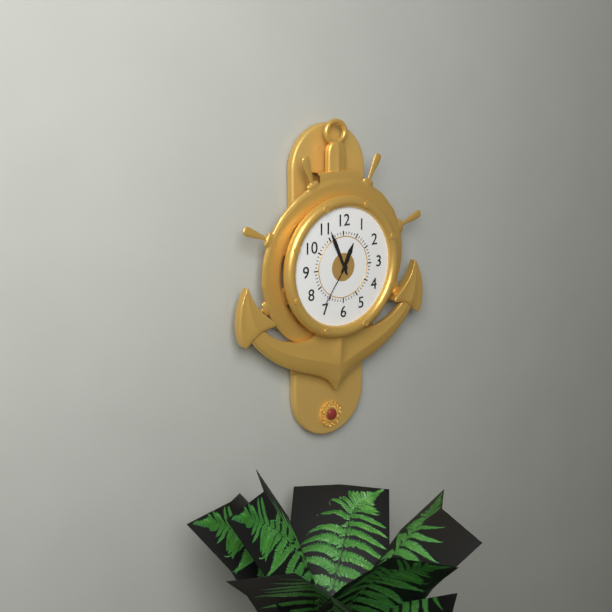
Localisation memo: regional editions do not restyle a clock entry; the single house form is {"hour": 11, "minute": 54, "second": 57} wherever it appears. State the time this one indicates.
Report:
{"hour": 12, "minute": 56, "second": 36}
